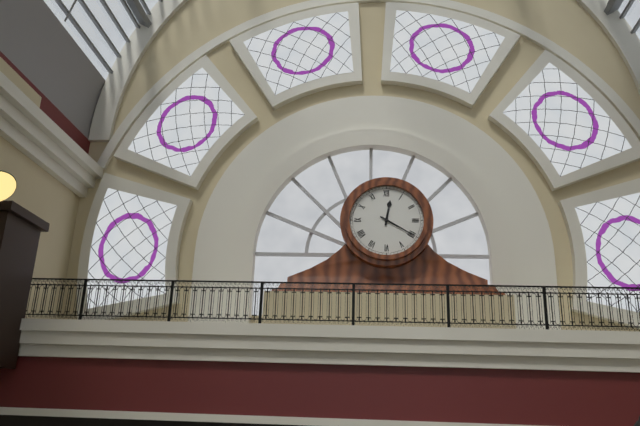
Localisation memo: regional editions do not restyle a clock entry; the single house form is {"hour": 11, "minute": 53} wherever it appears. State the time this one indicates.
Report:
{"hour": 12, "minute": 20}
